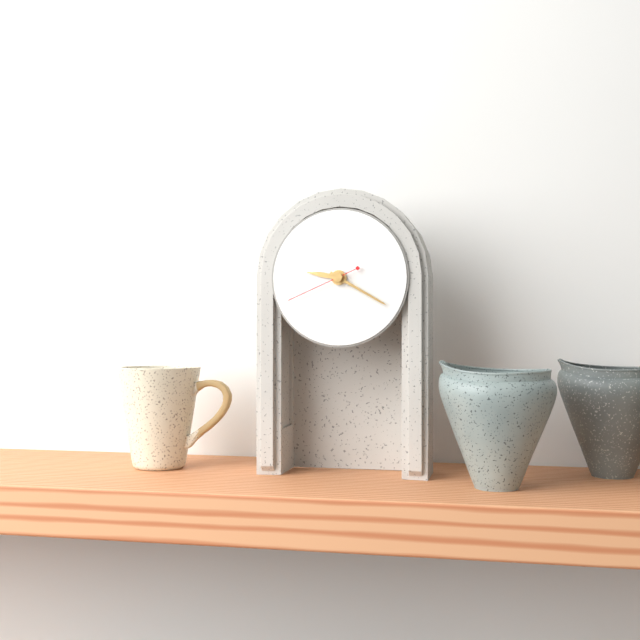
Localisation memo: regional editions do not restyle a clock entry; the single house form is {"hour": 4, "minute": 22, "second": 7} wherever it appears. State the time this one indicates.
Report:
{"hour": 9, "minute": 20, "second": 41}
